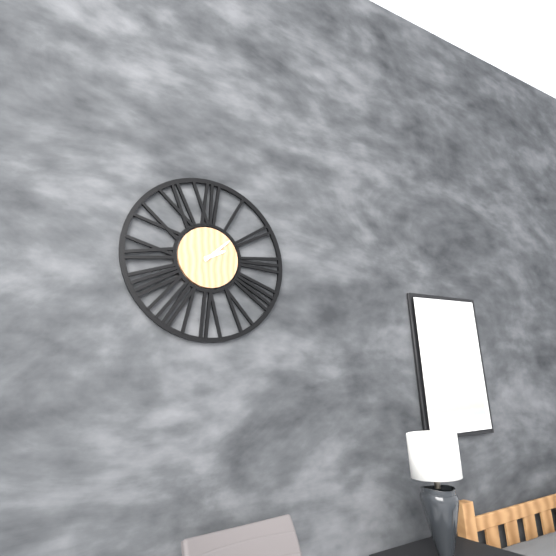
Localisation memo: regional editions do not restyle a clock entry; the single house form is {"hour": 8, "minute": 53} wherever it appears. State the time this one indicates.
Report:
{"hour": 2, "minute": 8}
